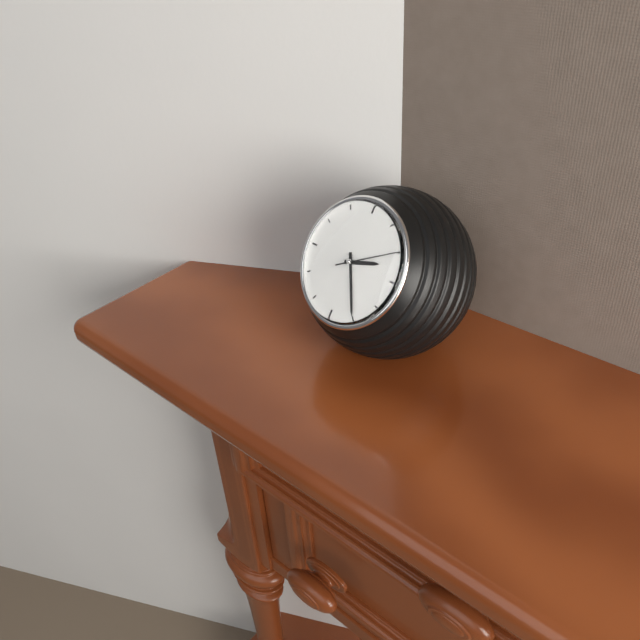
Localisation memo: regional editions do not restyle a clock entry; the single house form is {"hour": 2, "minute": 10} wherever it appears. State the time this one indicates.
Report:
{"hour": 2, "minute": 25}
